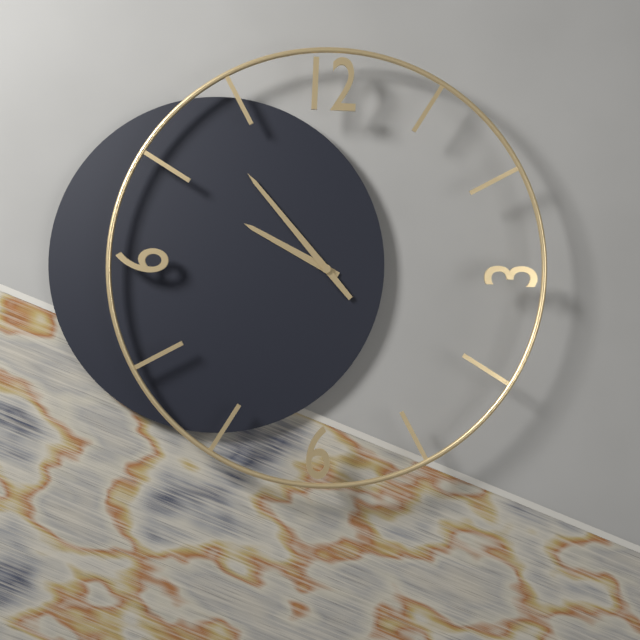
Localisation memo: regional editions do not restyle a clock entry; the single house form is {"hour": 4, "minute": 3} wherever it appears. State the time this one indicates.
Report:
{"hour": 9, "minute": 53}
